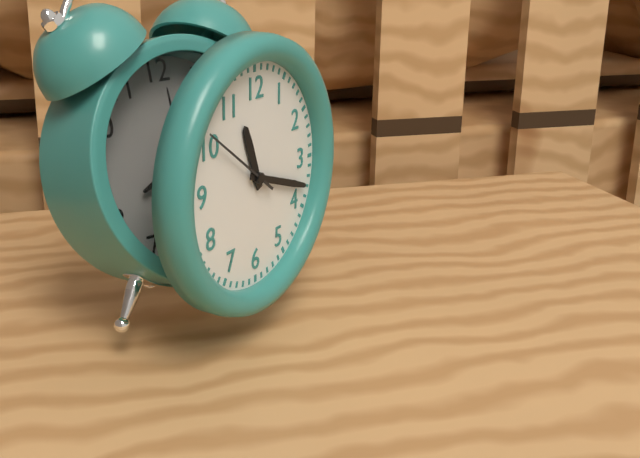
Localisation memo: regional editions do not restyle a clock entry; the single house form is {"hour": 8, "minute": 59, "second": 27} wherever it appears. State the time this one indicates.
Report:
{"hour": 11, "minute": 18, "second": 51}
